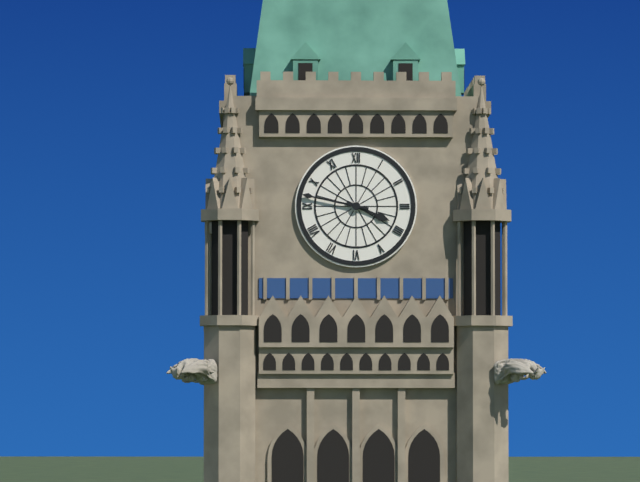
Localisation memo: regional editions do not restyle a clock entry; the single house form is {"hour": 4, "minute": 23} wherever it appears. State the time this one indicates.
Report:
{"hour": 3, "minute": 47}
